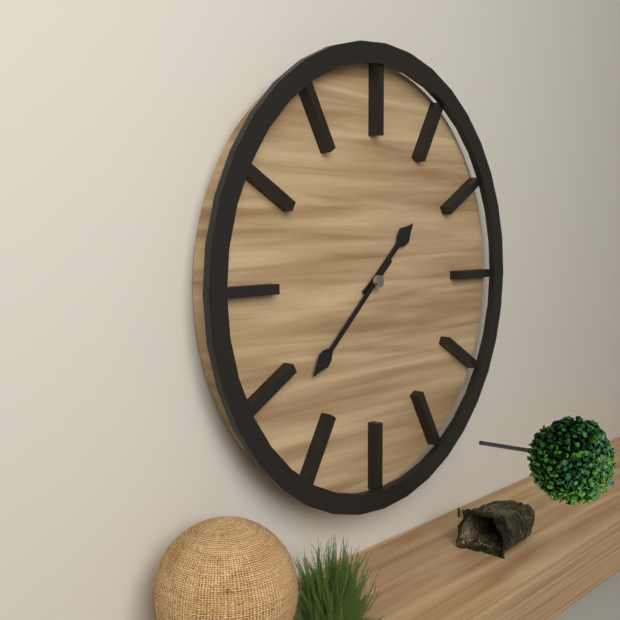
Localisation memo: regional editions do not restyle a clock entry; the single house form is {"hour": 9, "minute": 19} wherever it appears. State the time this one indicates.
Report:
{"hour": 1, "minute": 38}
